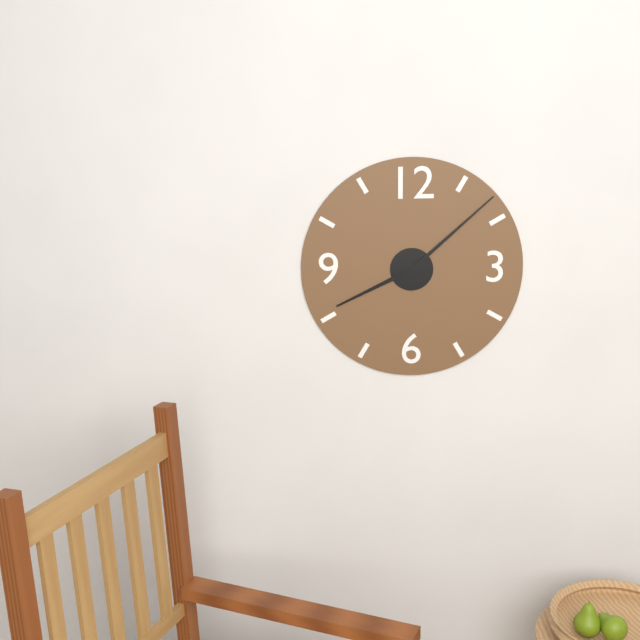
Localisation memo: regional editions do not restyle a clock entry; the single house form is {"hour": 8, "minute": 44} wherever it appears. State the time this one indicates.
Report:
{"hour": 8, "minute": 8}
